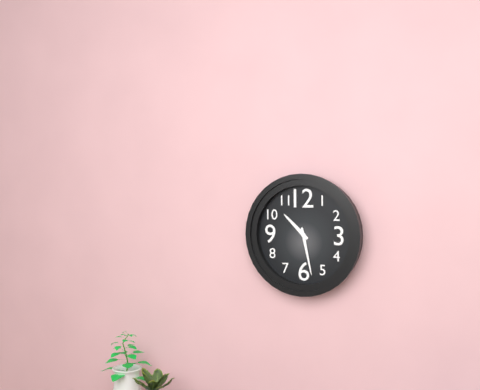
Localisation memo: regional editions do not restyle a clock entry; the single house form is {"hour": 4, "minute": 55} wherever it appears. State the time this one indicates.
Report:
{"hour": 10, "minute": 28}
